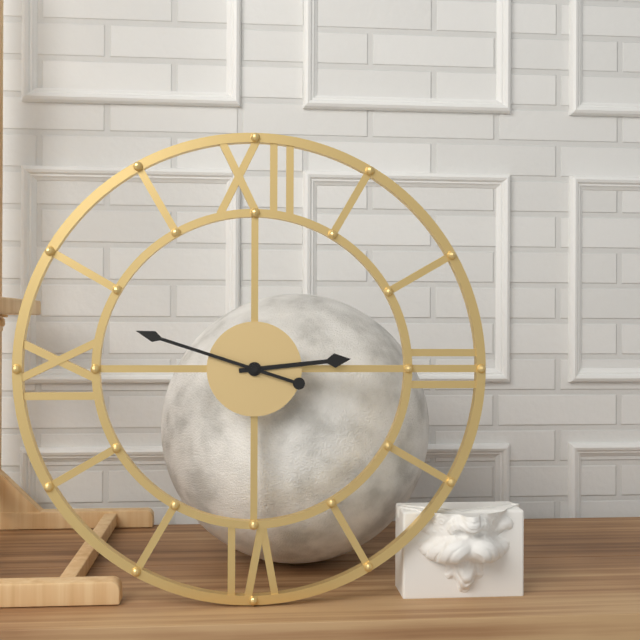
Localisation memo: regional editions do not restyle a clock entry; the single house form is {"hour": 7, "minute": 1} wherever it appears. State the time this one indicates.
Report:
{"hour": 2, "minute": 48}
